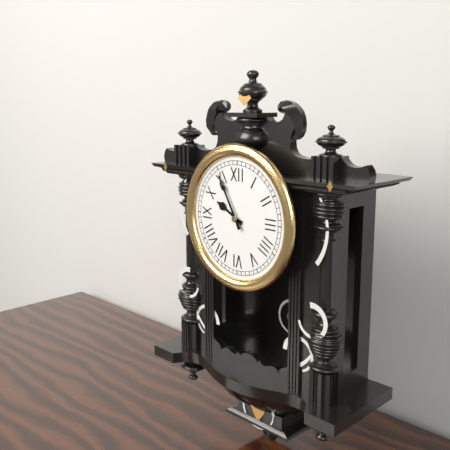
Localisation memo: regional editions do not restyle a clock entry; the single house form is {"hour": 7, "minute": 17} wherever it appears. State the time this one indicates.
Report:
{"hour": 9, "minute": 55}
